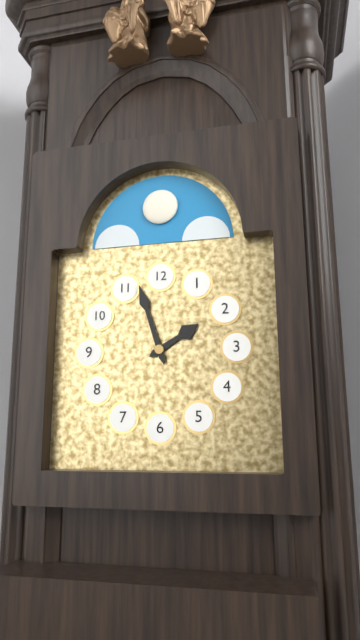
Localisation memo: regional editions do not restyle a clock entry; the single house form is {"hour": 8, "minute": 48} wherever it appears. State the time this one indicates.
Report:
{"hour": 1, "minute": 57}
